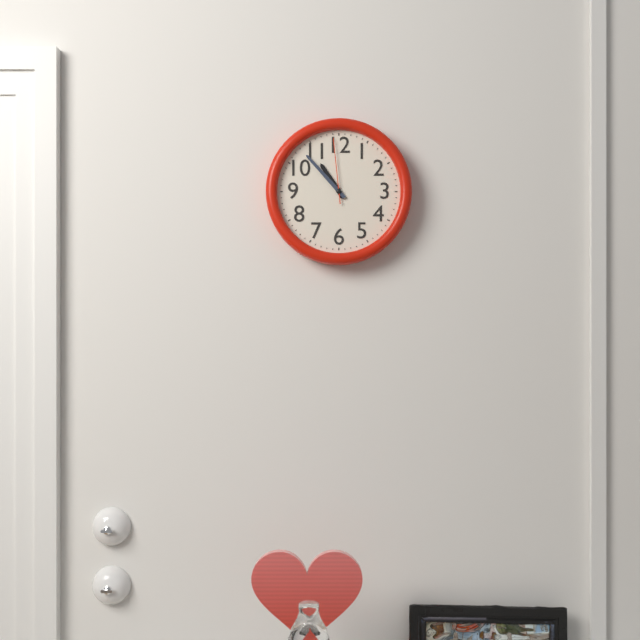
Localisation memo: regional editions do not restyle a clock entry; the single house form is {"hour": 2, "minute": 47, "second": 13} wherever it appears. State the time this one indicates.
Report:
{"hour": 10, "minute": 53, "second": 59}
